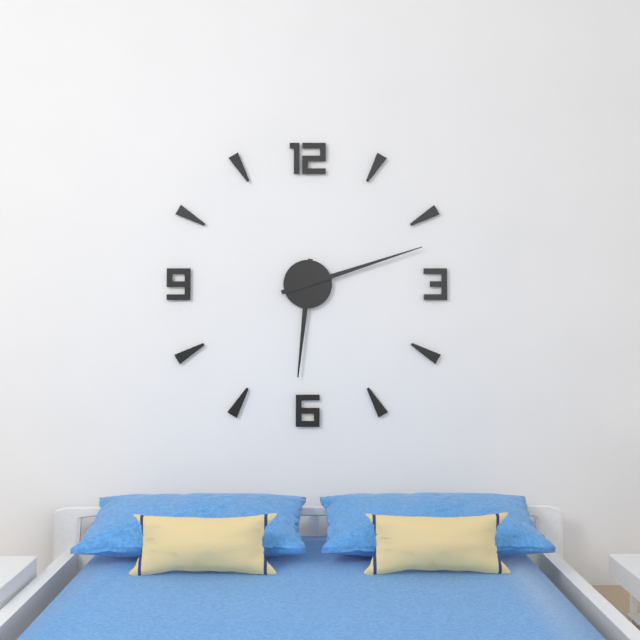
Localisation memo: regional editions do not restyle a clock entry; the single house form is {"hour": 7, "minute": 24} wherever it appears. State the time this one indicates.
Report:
{"hour": 6, "minute": 12}
